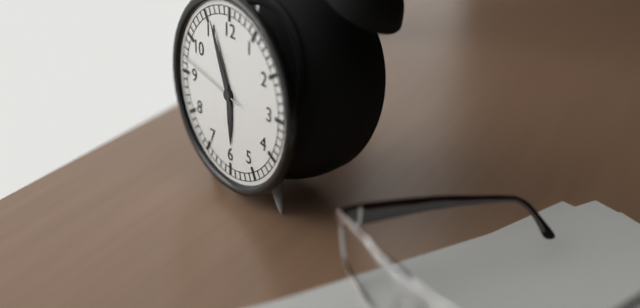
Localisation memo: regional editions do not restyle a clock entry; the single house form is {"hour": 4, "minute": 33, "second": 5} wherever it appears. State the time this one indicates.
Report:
{"hour": 5, "minute": 56, "second": 47}
